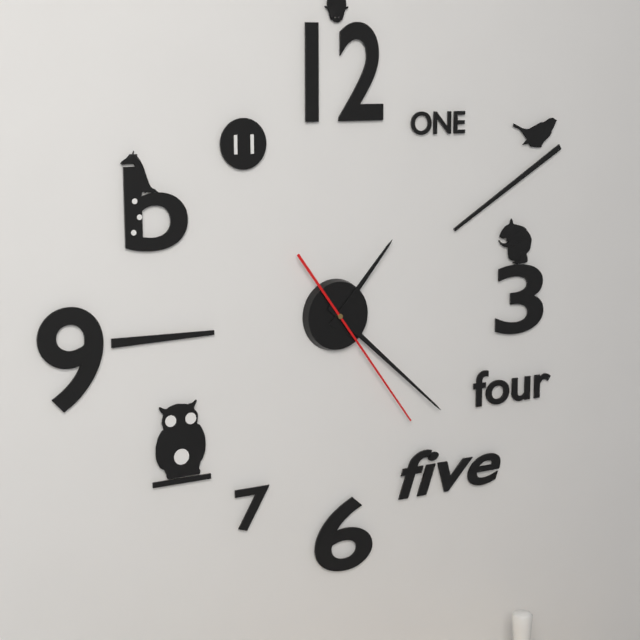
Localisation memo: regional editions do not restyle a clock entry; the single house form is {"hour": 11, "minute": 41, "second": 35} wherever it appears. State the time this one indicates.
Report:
{"hour": 1, "minute": 22, "second": 24}
